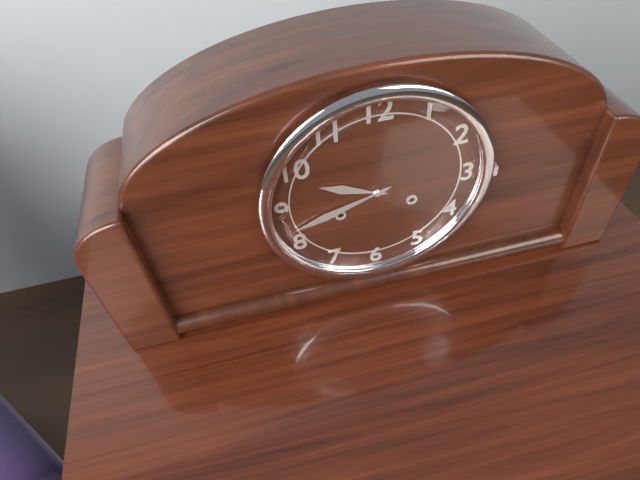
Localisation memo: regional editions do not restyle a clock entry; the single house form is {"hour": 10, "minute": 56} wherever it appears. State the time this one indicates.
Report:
{"hour": 9, "minute": 42}
